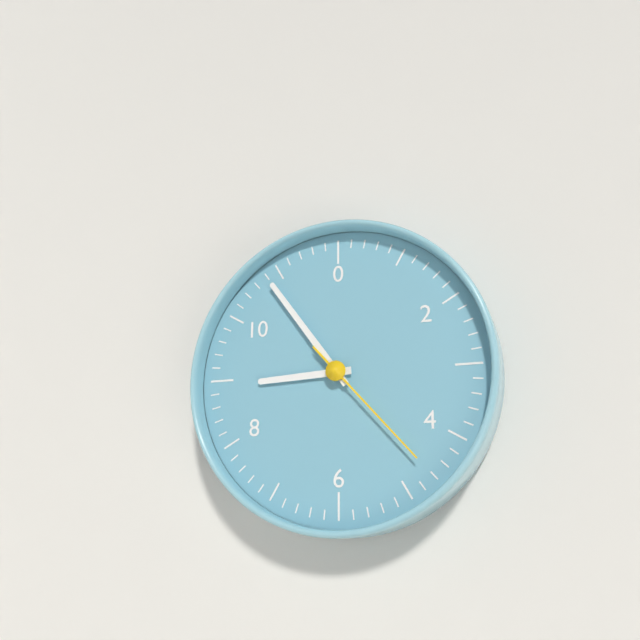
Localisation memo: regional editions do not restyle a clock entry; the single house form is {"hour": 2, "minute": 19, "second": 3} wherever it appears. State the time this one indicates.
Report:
{"hour": 8, "minute": 54, "second": 23}
